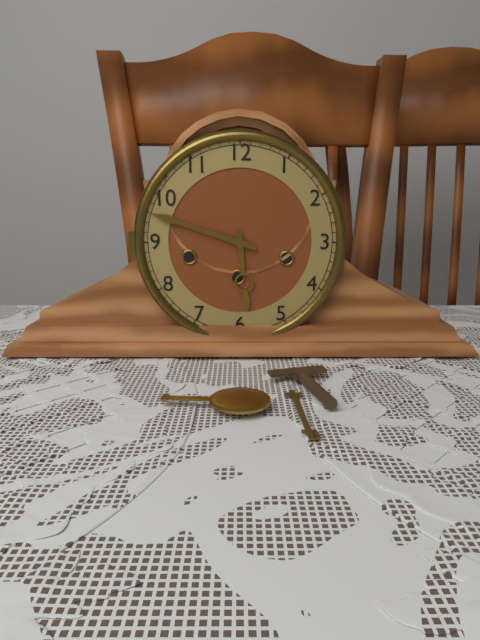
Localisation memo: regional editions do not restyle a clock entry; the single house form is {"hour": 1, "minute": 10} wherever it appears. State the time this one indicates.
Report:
{"hour": 5, "minute": 48}
